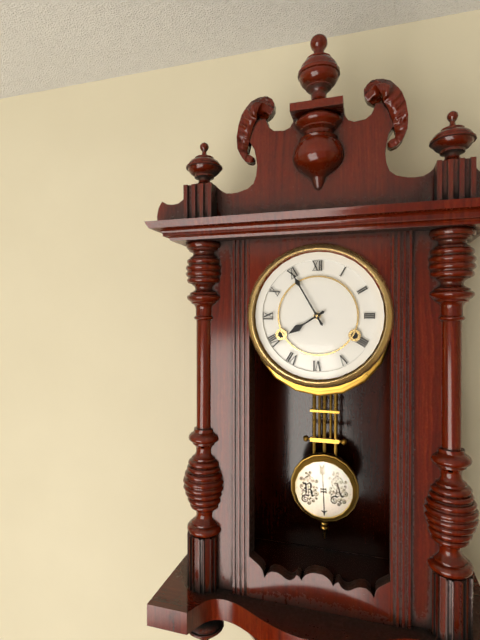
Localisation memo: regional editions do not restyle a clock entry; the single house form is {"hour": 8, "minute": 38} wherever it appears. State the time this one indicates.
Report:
{"hour": 7, "minute": 55}
